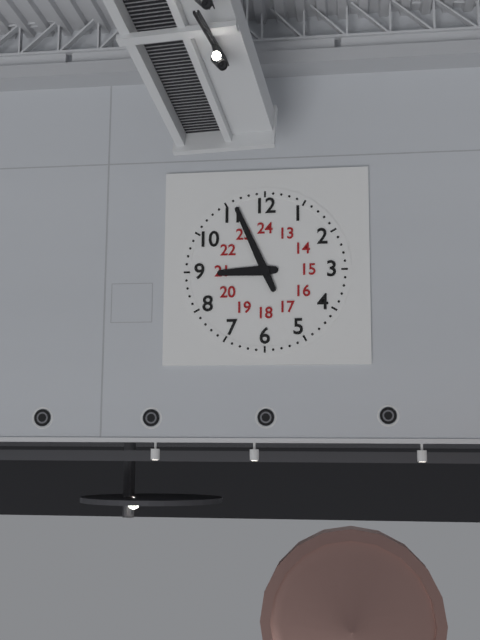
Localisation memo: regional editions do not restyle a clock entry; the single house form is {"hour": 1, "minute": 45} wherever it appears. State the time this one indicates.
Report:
{"hour": 8, "minute": 56}
